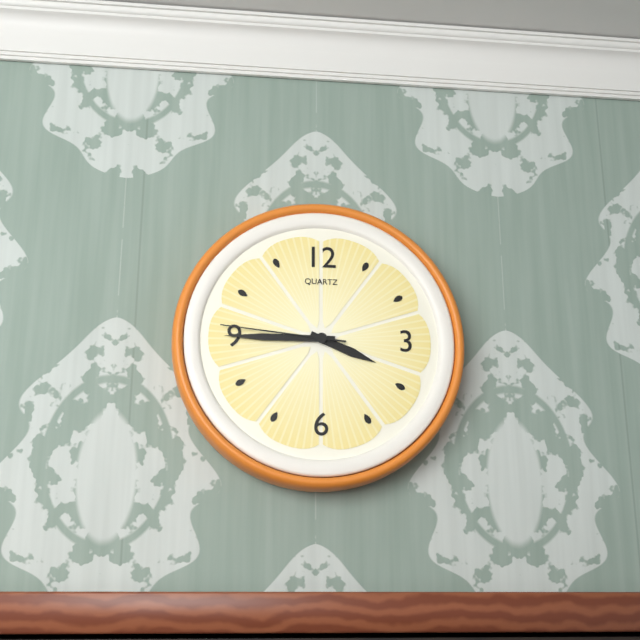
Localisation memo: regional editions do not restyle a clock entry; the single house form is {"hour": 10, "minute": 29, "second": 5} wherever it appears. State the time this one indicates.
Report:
{"hour": 3, "minute": 45, "second": 46}
